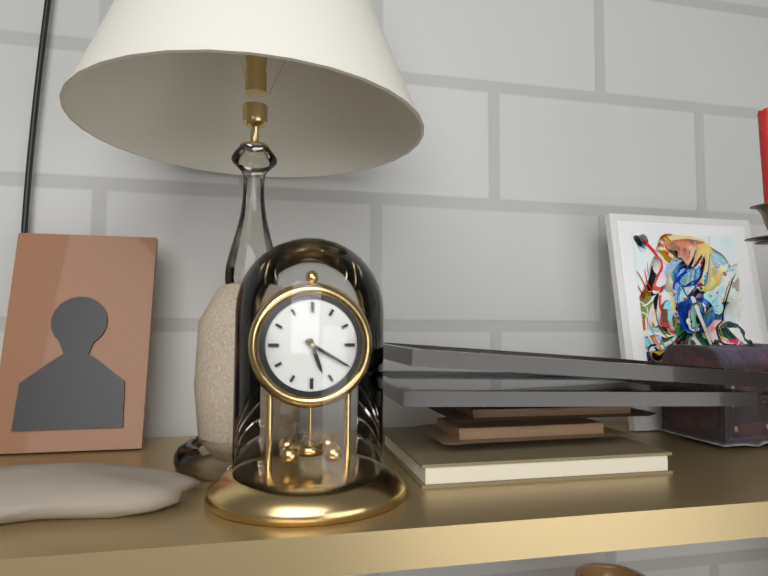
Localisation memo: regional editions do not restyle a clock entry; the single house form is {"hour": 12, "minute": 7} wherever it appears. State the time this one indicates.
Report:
{"hour": 5, "minute": 20}
